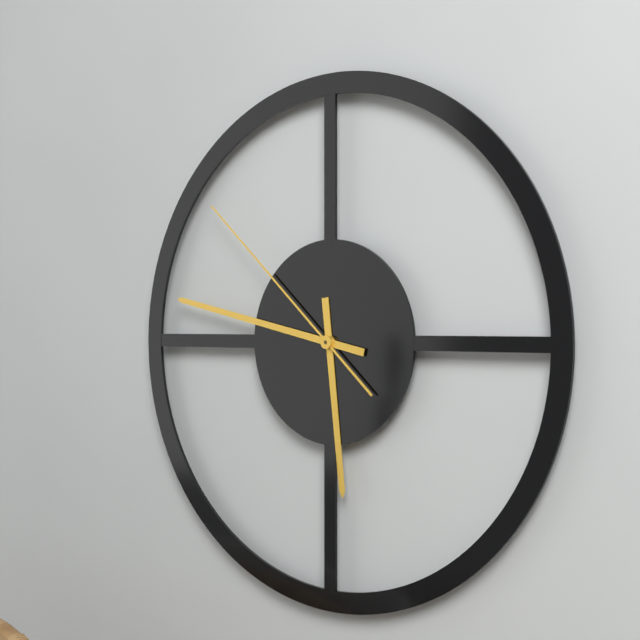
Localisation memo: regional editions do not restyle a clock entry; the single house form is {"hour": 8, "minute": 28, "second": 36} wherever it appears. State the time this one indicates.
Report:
{"hour": 5, "minute": 47, "second": 52}
